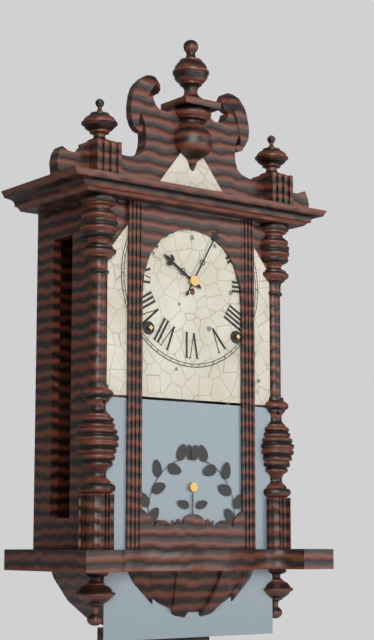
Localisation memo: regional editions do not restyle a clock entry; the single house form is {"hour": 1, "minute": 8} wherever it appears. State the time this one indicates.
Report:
{"hour": 10, "minute": 5}
